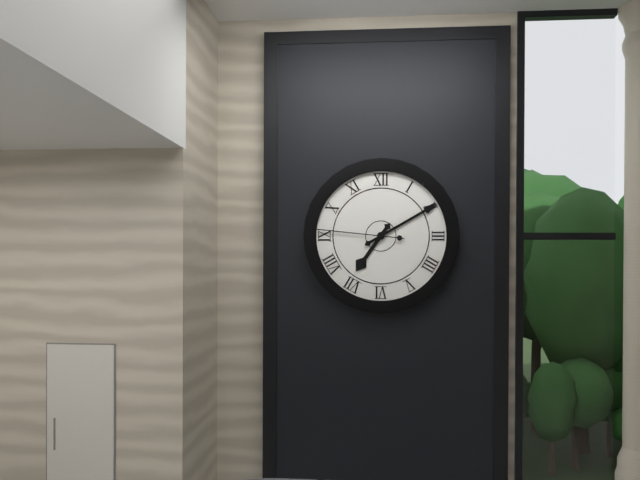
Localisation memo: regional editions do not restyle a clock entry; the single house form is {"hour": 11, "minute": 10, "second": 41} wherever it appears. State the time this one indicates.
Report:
{"hour": 7, "minute": 10, "second": 46}
